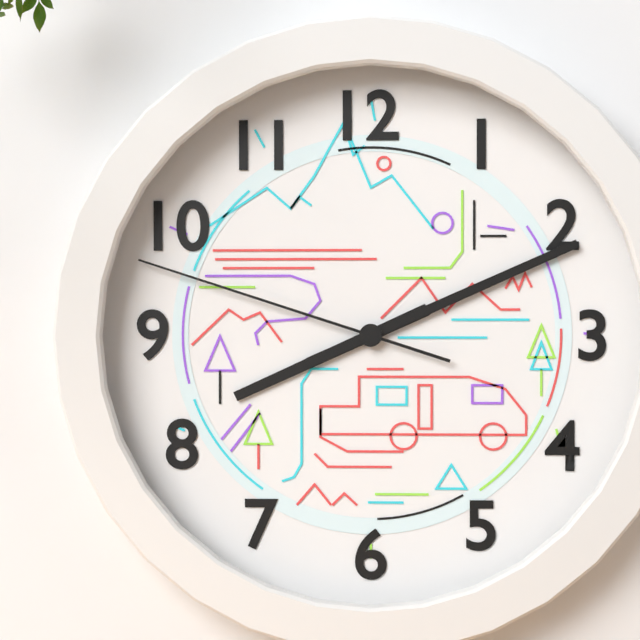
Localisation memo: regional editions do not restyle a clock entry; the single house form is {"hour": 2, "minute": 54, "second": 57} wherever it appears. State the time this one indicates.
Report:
{"hour": 8, "minute": 11, "second": 48}
